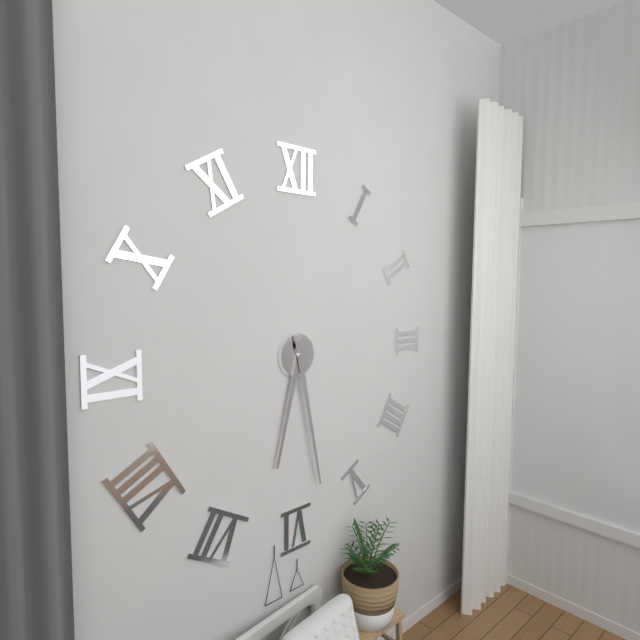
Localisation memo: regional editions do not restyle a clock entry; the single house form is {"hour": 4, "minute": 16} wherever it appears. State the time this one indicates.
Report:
{"hour": 6, "minute": 28}
